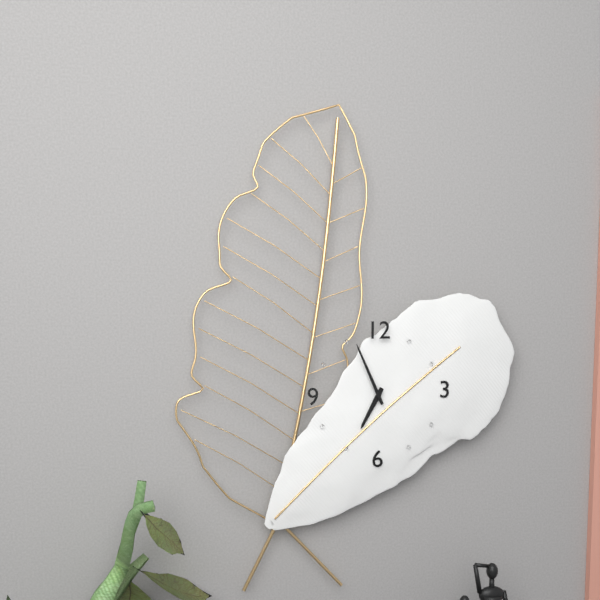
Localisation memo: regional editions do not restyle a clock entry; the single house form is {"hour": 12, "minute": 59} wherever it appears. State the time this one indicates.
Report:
{"hour": 6, "minute": 56}
